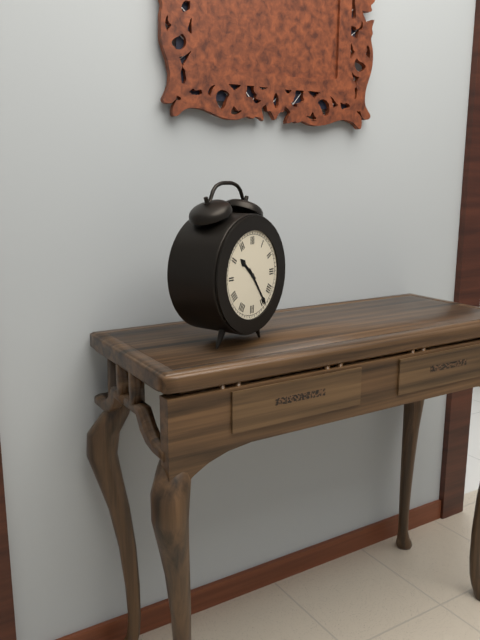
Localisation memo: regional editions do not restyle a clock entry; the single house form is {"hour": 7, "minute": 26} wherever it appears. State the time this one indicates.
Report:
{"hour": 10, "minute": 24}
